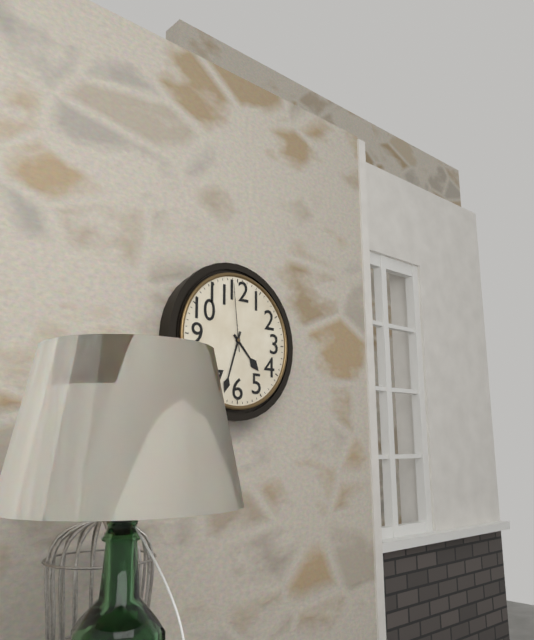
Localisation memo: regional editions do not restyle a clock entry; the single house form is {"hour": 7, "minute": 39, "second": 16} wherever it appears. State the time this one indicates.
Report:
{"hour": 4, "minute": 33, "second": 59}
